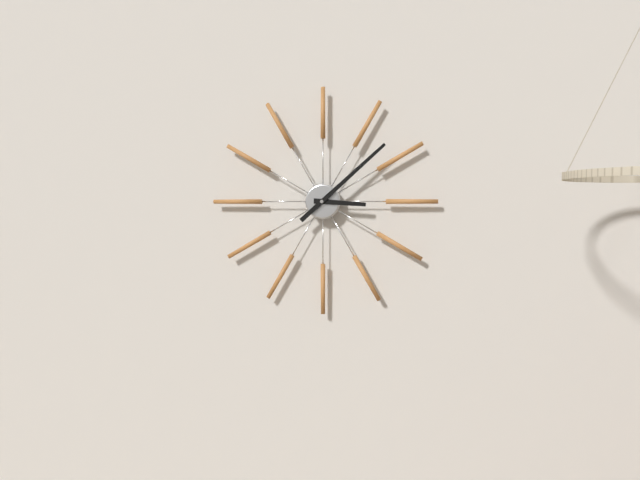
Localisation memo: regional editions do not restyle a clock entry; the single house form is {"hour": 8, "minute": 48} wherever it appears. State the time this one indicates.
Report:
{"hour": 3, "minute": 8}
